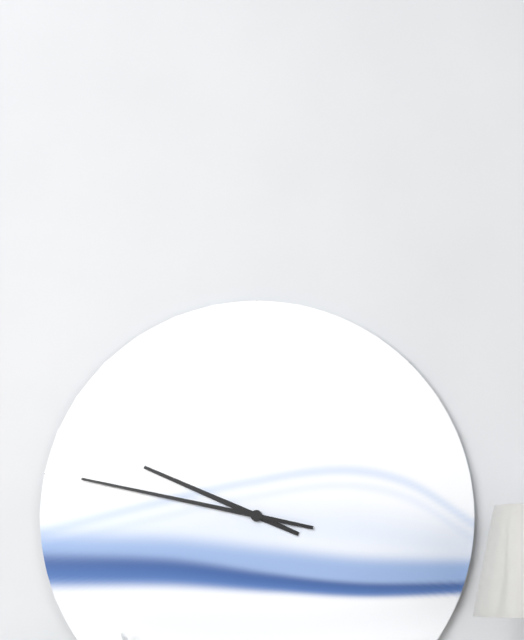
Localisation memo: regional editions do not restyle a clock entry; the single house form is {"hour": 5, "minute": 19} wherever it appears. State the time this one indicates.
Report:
{"hour": 9, "minute": 47}
